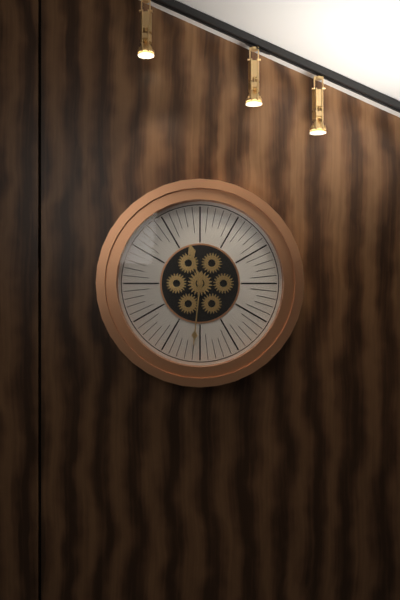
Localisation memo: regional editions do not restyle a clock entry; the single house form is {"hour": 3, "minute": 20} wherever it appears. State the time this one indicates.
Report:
{"hour": 11, "minute": 31}
